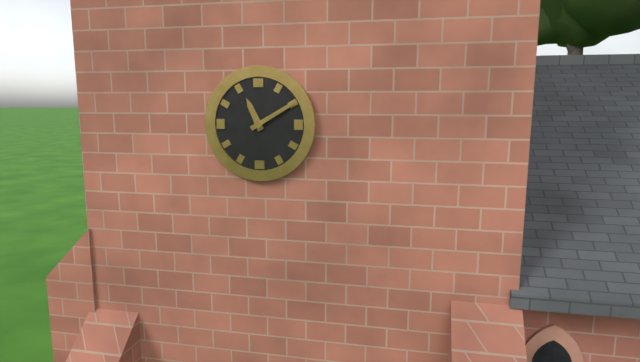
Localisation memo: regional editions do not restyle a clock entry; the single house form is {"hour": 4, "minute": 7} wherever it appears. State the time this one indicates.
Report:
{"hour": 11, "minute": 10}
